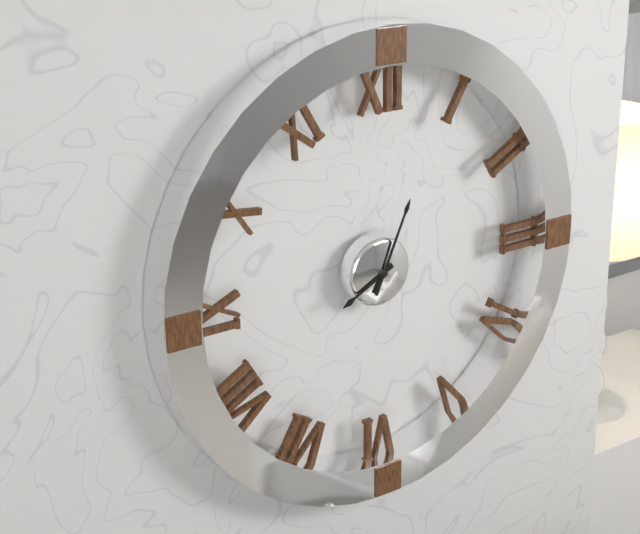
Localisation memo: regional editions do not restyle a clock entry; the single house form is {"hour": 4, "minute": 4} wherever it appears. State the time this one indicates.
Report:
{"hour": 8, "minute": 4}
